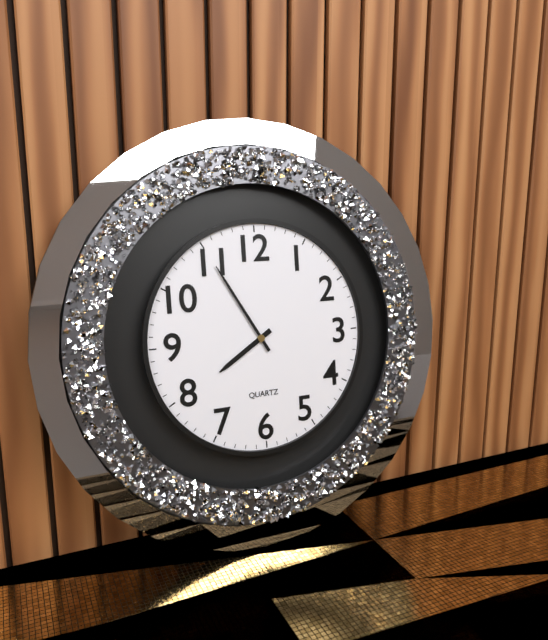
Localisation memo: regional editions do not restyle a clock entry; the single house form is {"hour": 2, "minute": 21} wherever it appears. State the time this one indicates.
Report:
{"hour": 7, "minute": 55}
